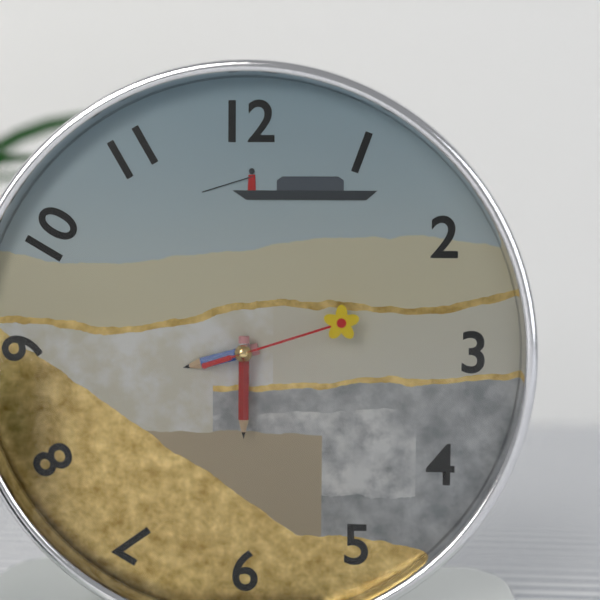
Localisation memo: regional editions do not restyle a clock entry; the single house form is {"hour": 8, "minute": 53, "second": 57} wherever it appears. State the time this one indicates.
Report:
{"hour": 8, "minute": 30, "second": 12}
